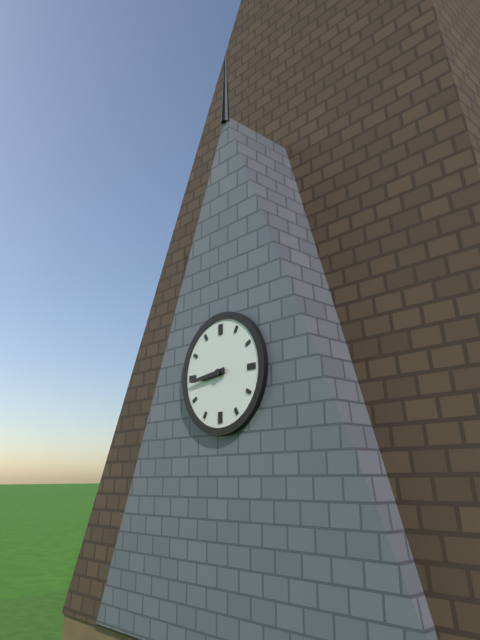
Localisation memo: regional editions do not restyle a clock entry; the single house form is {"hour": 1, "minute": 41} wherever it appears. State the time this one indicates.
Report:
{"hour": 8, "minute": 44}
